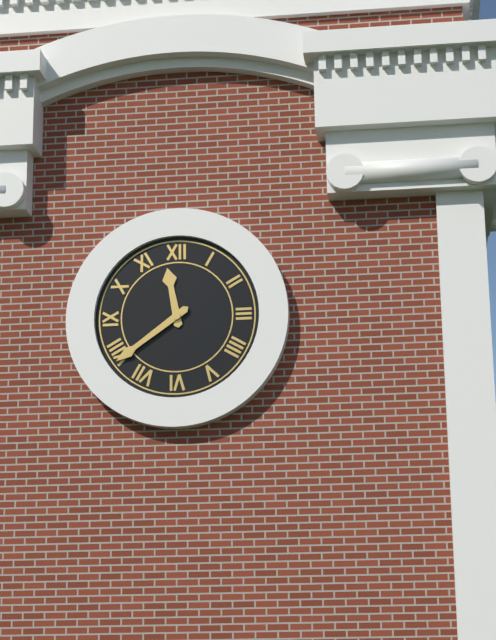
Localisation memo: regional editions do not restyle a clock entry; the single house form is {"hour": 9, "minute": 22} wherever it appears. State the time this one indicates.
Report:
{"hour": 11, "minute": 39}
